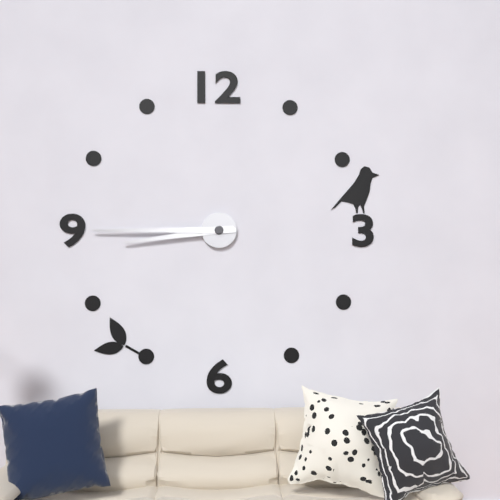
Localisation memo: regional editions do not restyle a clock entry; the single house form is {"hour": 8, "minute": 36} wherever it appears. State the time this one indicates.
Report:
{"hour": 8, "minute": 45}
